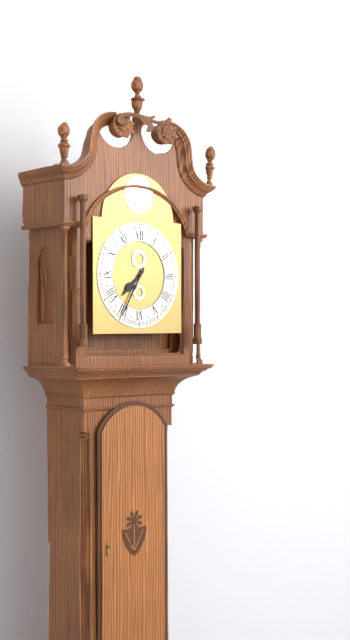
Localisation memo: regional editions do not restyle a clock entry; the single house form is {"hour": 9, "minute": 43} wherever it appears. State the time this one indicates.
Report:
{"hour": 7, "minute": 35}
